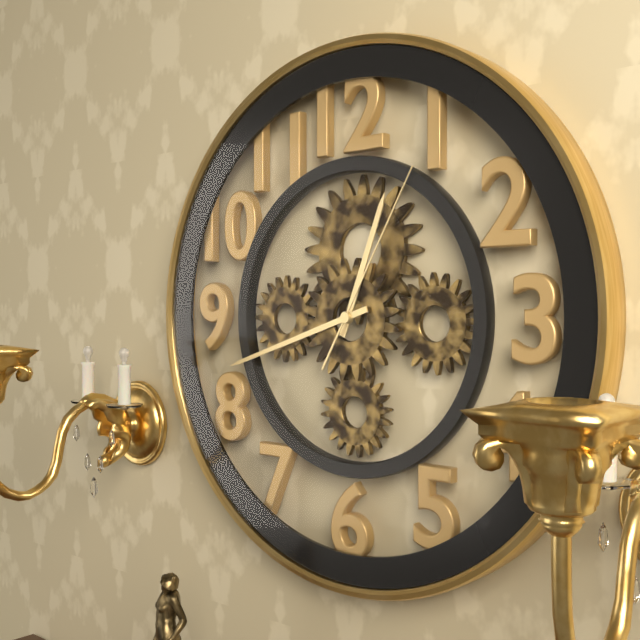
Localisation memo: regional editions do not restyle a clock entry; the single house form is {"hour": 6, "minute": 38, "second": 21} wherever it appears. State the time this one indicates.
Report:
{"hour": 12, "minute": 42, "second": 5}
